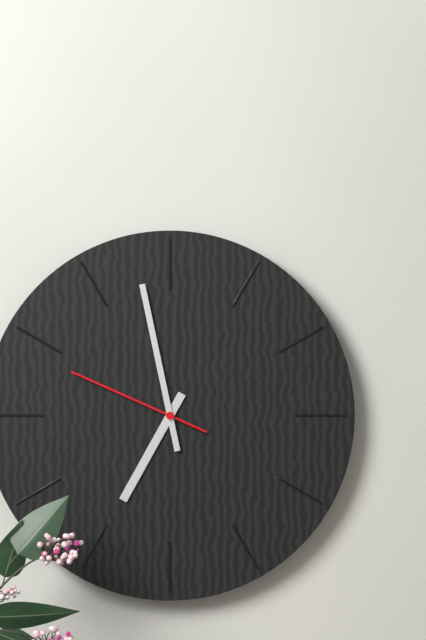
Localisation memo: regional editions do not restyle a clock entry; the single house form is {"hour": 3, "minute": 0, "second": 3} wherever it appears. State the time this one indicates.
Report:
{"hour": 6, "minute": 58, "second": 49}
